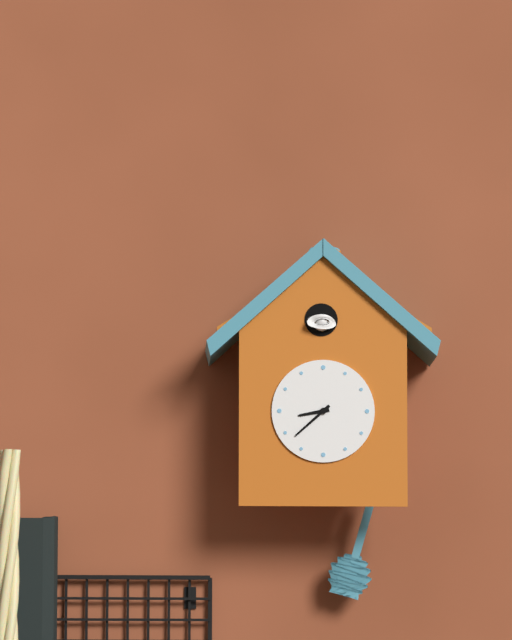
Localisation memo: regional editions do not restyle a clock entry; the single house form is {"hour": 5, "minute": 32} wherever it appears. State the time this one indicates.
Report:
{"hour": 8, "minute": 38}
